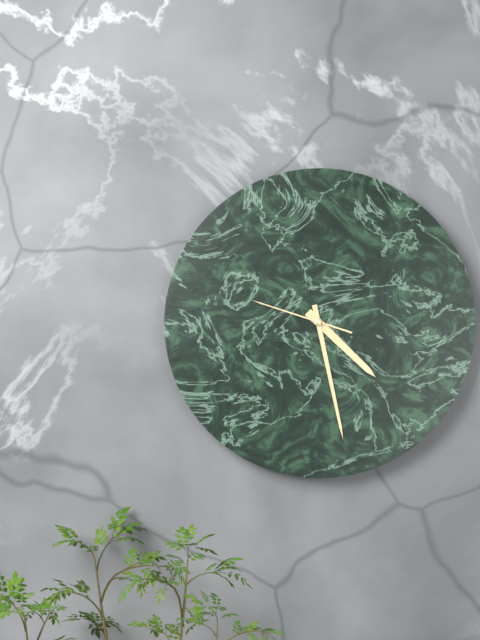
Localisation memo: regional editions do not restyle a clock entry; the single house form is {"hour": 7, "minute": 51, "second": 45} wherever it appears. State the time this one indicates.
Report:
{"hour": 4, "minute": 28, "second": 48}
